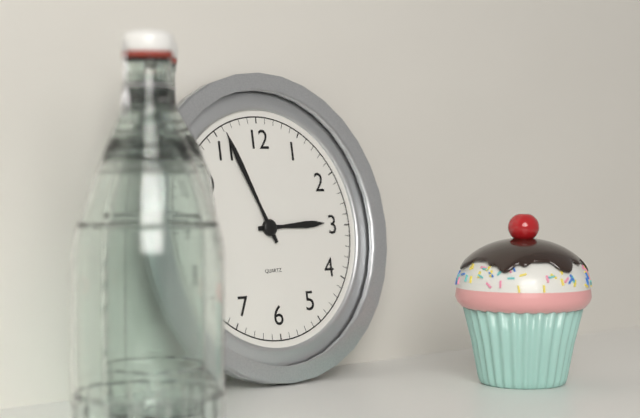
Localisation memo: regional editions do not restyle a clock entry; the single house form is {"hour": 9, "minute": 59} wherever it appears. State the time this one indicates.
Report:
{"hour": 2, "minute": 56}
